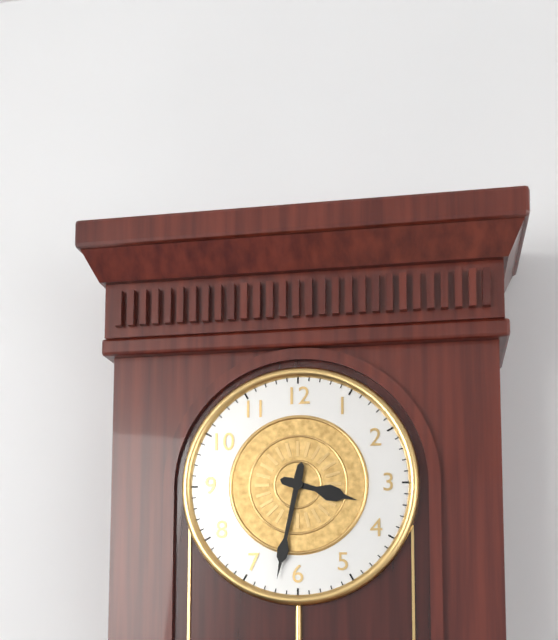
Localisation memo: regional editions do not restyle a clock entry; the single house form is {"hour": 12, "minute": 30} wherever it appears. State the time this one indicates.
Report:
{"hour": 3, "minute": 32}
